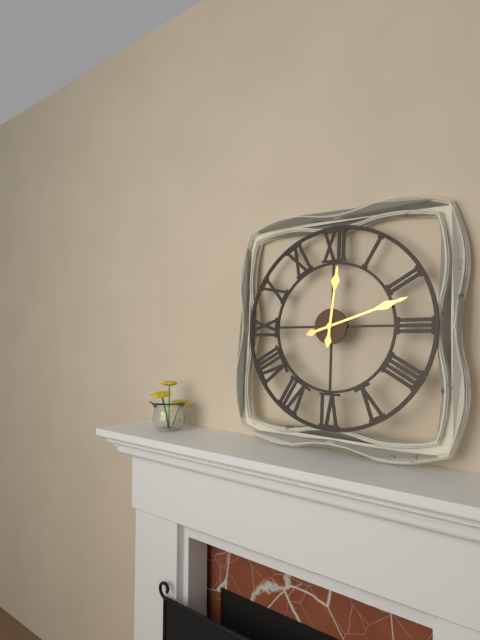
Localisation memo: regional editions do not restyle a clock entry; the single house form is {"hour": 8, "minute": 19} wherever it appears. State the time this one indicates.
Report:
{"hour": 12, "minute": 12}
